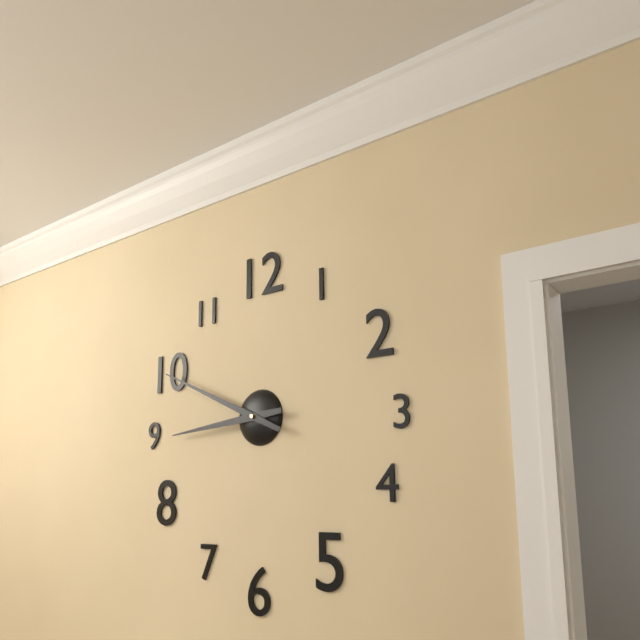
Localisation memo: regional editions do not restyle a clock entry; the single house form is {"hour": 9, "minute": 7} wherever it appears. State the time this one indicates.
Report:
{"hour": 8, "minute": 49}
